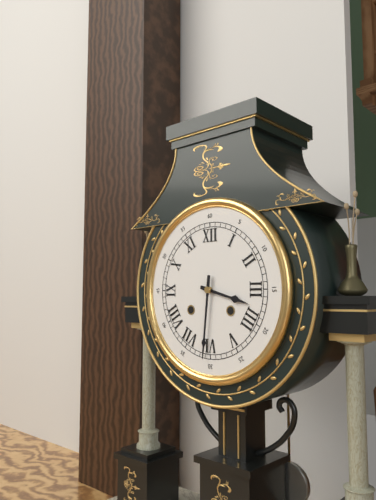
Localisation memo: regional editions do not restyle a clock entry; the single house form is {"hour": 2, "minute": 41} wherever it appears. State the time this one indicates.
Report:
{"hour": 3, "minute": 31}
